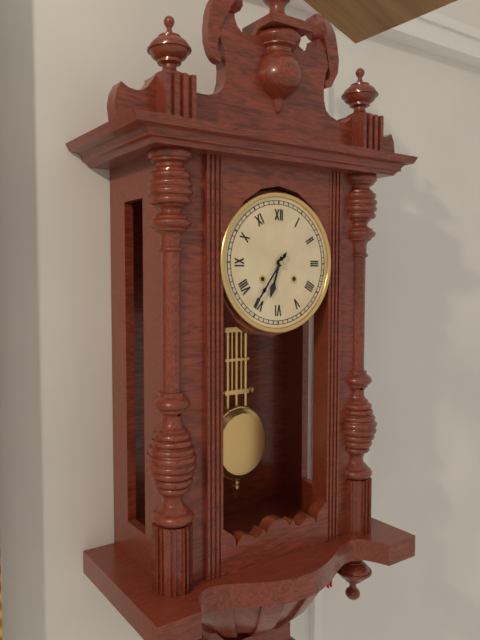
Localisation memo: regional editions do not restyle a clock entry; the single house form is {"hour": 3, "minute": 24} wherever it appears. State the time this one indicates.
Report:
{"hour": 6, "minute": 36}
